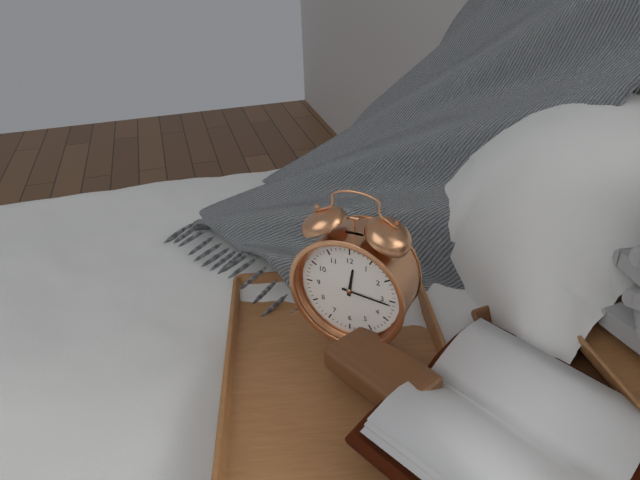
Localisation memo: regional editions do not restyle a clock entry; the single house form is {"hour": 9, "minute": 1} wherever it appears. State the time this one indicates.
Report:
{"hour": 12, "minute": 16}
